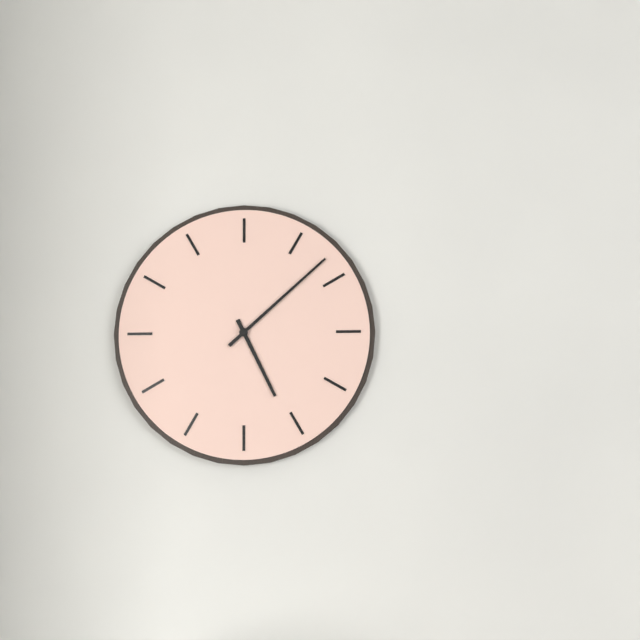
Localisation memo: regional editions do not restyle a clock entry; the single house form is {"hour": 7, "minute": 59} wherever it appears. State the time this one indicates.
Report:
{"hour": 5, "minute": 8}
